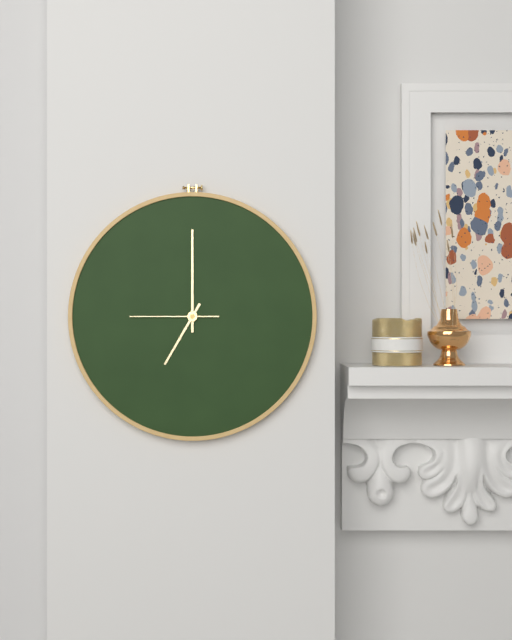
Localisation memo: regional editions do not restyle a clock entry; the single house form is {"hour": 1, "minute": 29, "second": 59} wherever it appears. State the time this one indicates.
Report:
{"hour": 7, "minute": 0, "second": 45}
